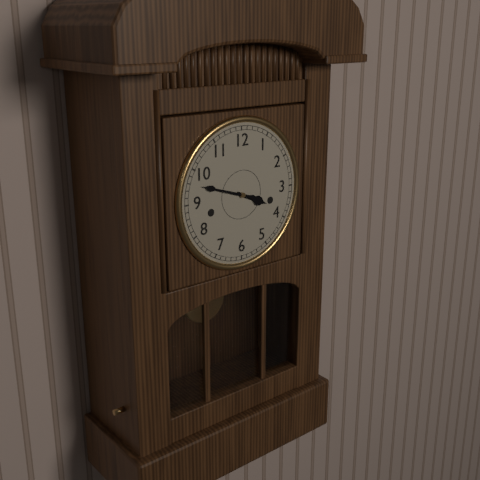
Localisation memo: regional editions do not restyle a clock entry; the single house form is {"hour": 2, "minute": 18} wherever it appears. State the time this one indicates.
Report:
{"hour": 3, "minute": 48}
